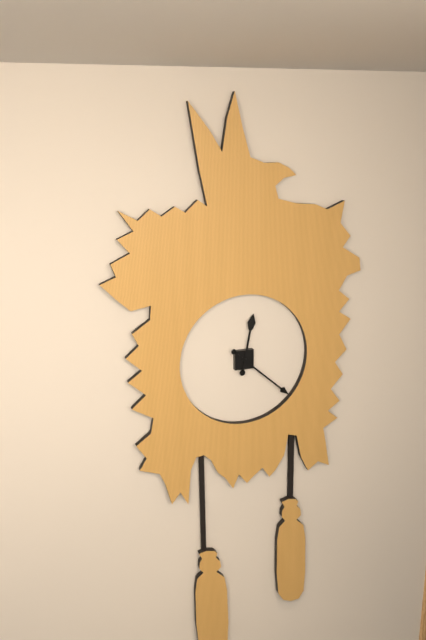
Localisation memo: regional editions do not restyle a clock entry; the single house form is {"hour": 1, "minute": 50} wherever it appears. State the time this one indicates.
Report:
{"hour": 12, "minute": 22}
